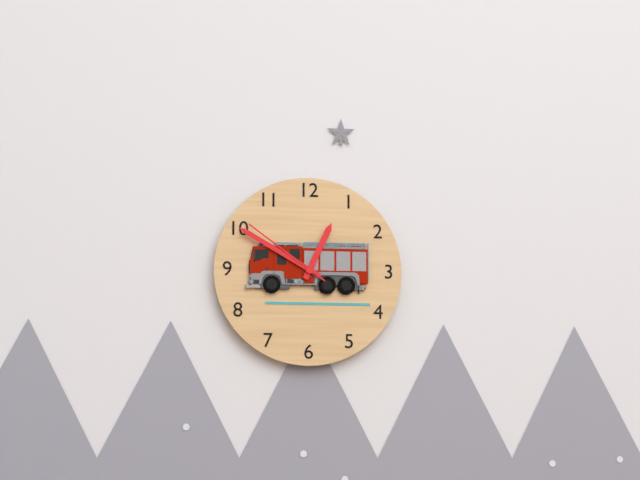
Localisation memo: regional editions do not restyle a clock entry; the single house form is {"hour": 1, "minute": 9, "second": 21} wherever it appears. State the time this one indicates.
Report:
{"hour": 12, "minute": 50, "second": 51}
